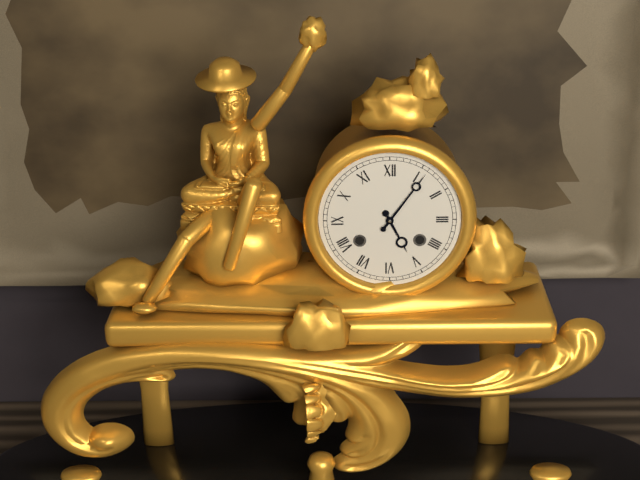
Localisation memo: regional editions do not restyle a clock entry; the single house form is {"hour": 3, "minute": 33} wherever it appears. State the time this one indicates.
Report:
{"hour": 5, "minute": 6}
